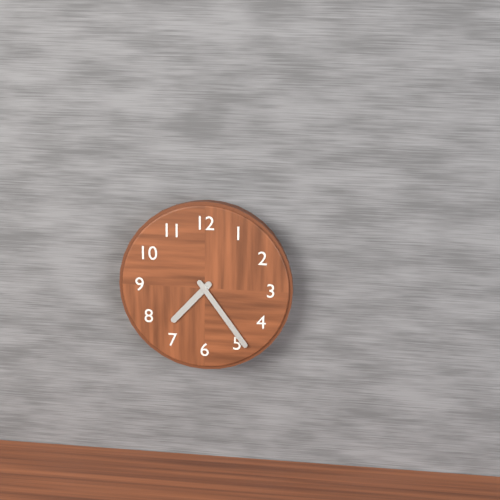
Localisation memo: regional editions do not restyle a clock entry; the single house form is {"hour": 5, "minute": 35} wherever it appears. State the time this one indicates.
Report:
{"hour": 7, "minute": 24}
